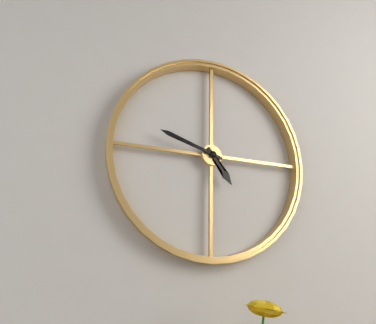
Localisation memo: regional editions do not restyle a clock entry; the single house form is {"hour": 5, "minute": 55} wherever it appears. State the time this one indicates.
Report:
{"hour": 4, "minute": 48}
